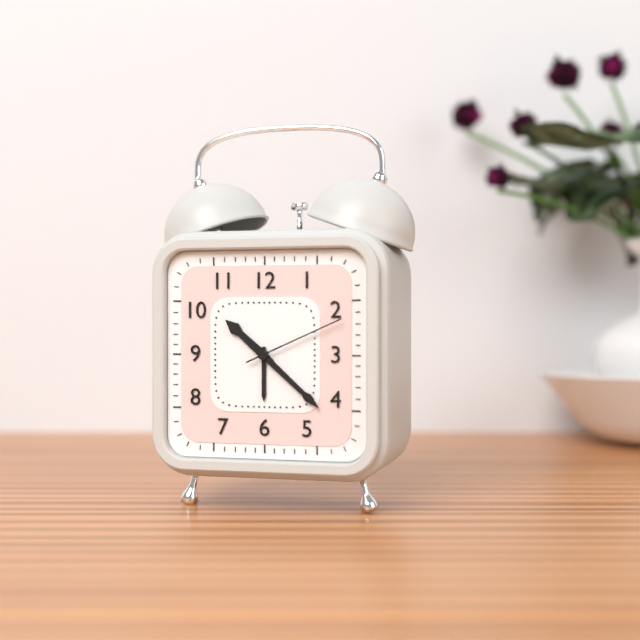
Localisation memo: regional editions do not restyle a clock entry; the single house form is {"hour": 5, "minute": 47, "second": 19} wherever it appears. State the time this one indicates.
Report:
{"hour": 10, "minute": 22, "second": 11}
